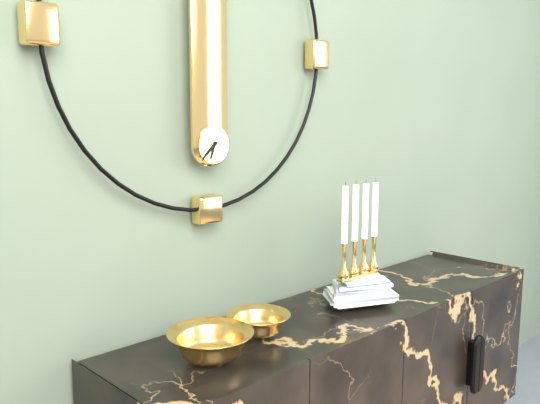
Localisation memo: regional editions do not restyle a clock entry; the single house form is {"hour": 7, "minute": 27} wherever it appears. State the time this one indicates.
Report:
{"hour": 6, "minute": 38}
